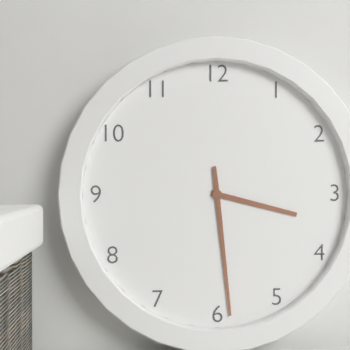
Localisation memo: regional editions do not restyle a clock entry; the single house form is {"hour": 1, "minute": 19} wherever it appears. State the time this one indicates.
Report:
{"hour": 3, "minute": 29}
